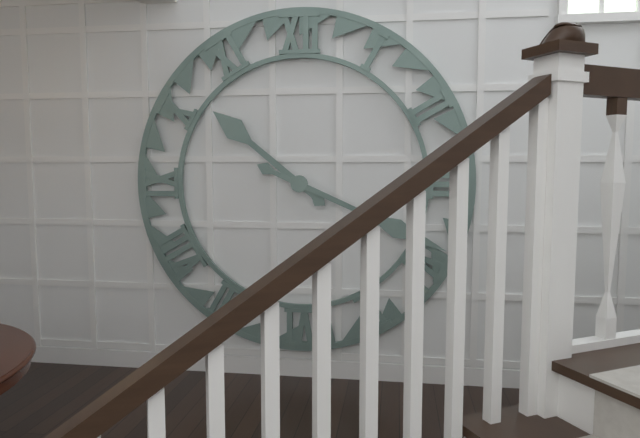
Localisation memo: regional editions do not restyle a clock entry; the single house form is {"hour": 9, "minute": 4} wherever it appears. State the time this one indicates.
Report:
{"hour": 10, "minute": 19}
